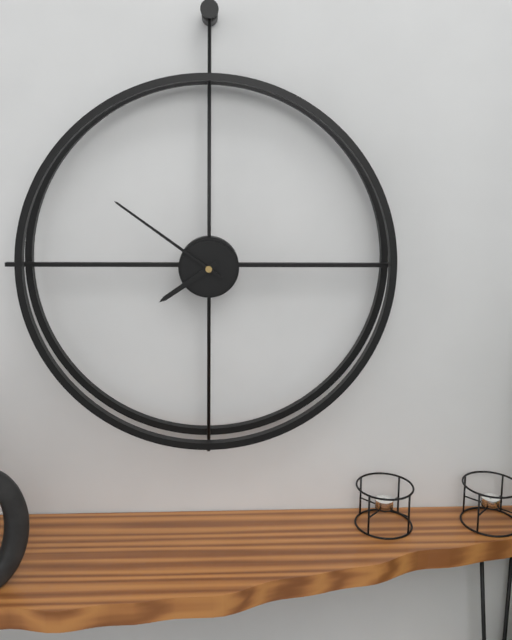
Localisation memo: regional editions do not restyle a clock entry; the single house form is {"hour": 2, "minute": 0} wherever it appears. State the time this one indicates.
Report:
{"hour": 7, "minute": 51}
